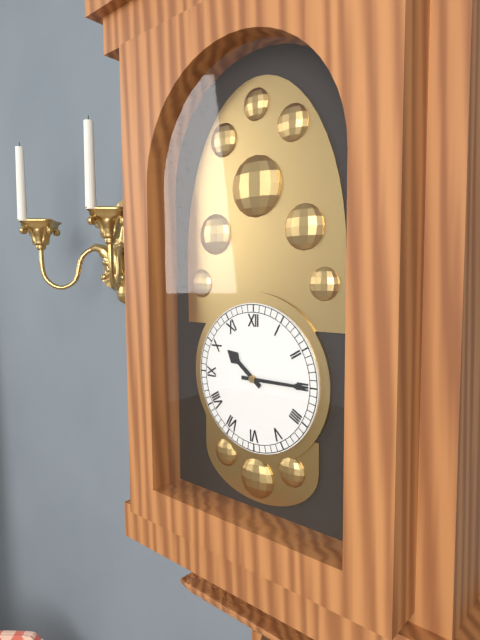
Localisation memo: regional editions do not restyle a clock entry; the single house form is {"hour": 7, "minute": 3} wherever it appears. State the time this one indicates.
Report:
{"hour": 10, "minute": 15}
